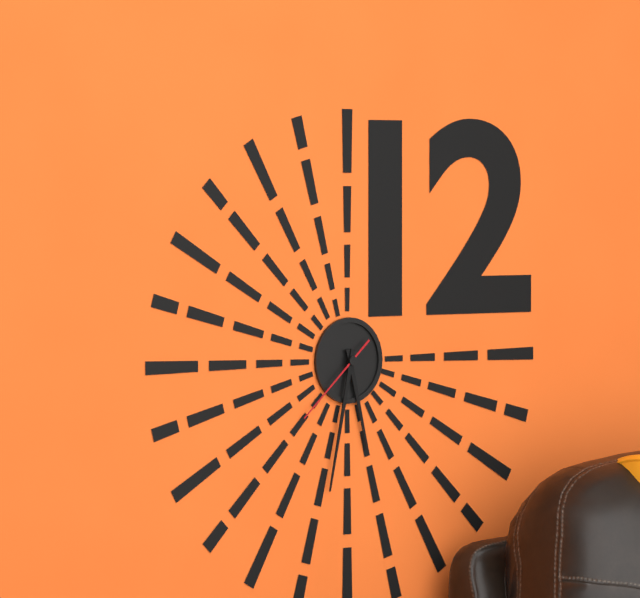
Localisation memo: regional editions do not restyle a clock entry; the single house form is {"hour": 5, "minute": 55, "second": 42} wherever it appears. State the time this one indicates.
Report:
{"hour": 5, "minute": 32, "second": 38}
